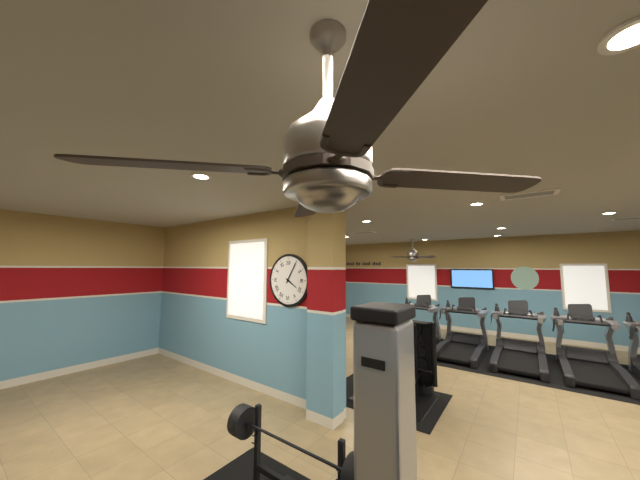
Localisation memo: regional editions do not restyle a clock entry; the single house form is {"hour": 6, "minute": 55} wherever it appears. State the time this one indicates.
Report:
{"hour": 4, "minute": 5}
